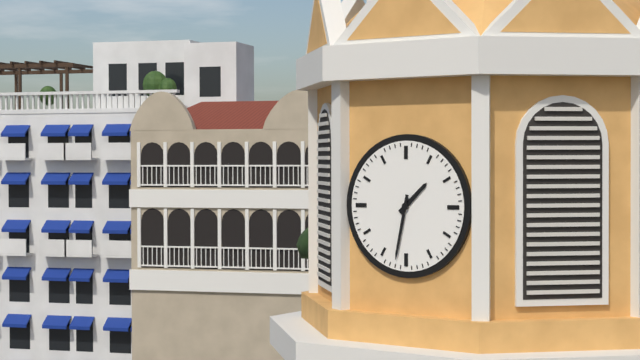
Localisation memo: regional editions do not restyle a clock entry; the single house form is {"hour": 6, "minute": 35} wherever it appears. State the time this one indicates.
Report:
{"hour": 1, "minute": 32}
